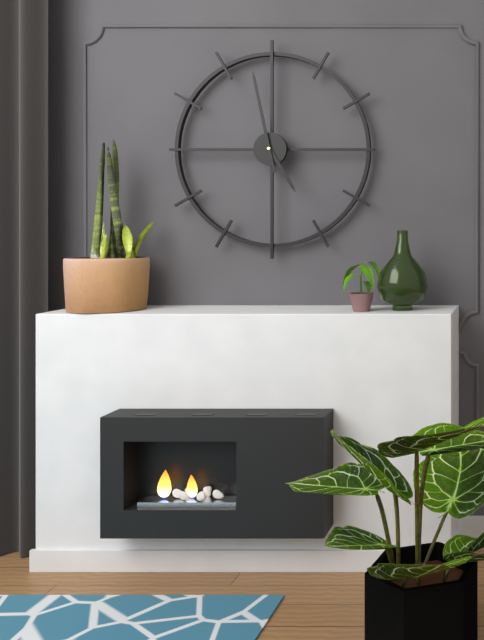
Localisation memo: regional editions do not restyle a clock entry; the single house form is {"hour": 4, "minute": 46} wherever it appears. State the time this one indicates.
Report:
{"hour": 4, "minute": 58}
